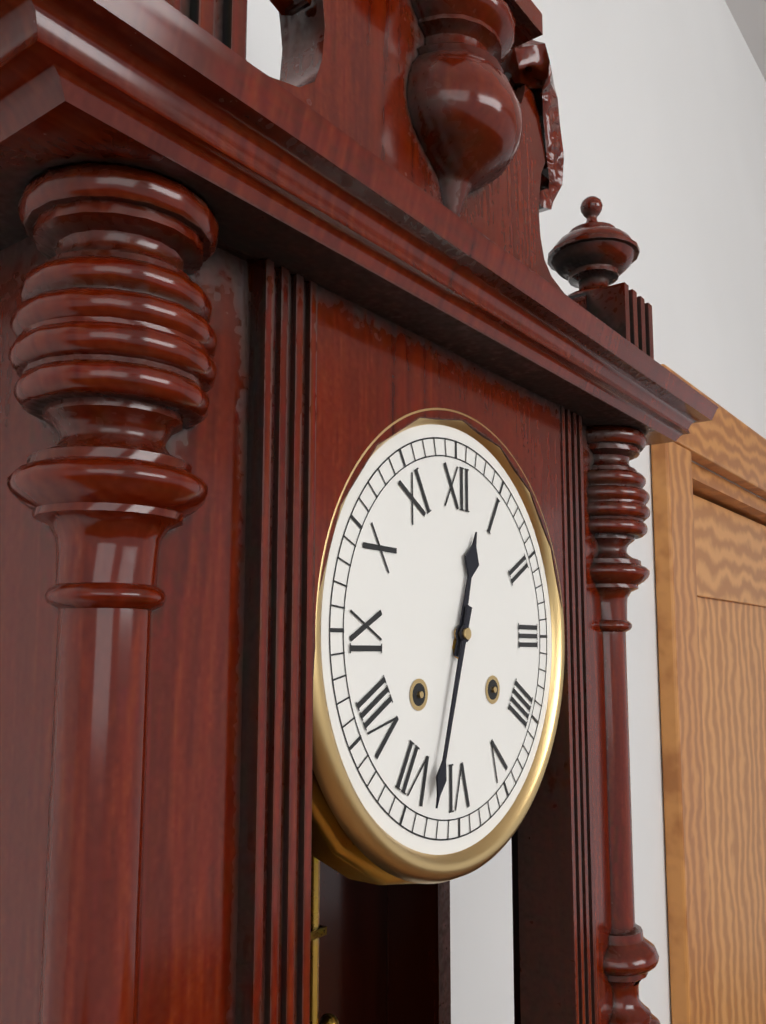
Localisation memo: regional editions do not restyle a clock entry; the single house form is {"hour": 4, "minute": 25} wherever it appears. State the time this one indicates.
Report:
{"hour": 12, "minute": 33}
